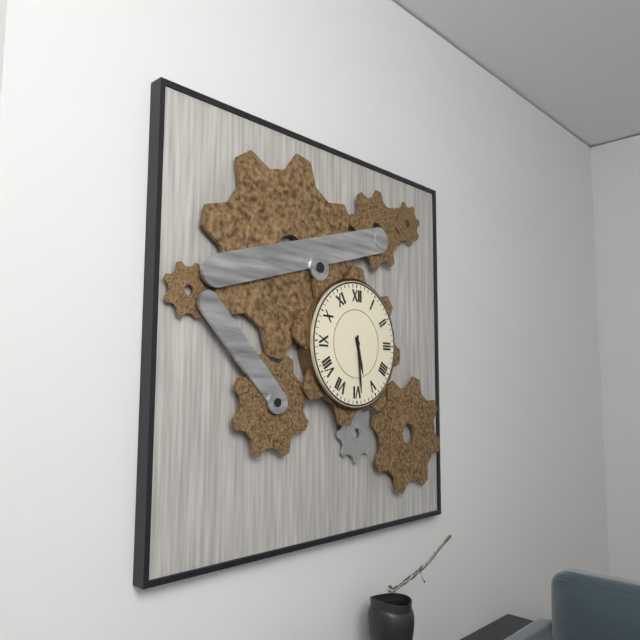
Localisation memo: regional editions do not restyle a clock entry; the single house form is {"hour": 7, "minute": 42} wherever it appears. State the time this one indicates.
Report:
{"hour": 5, "minute": 29}
